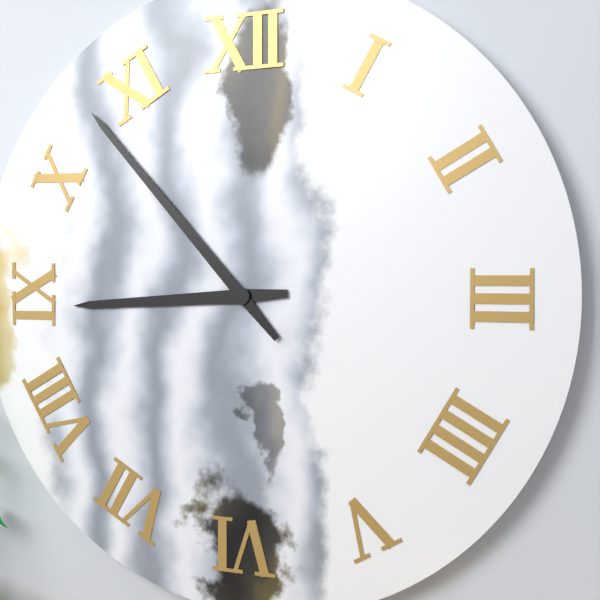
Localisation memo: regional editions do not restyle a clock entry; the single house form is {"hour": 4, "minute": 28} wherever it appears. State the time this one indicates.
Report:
{"hour": 8, "minute": 53}
